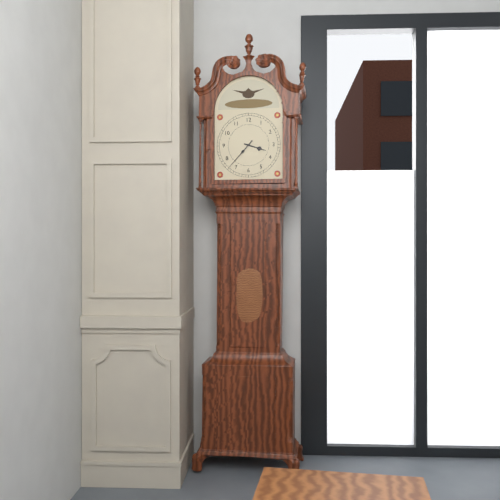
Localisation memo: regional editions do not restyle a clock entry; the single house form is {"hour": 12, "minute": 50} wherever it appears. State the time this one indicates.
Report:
{"hour": 3, "minute": 37}
